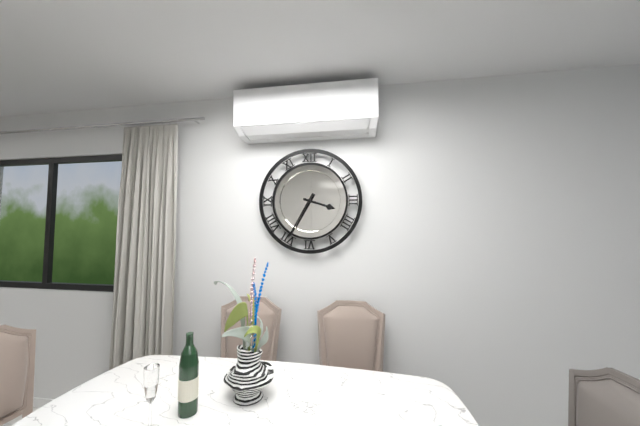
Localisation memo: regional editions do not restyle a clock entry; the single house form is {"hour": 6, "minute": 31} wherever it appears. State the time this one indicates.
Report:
{"hour": 3, "minute": 35}
